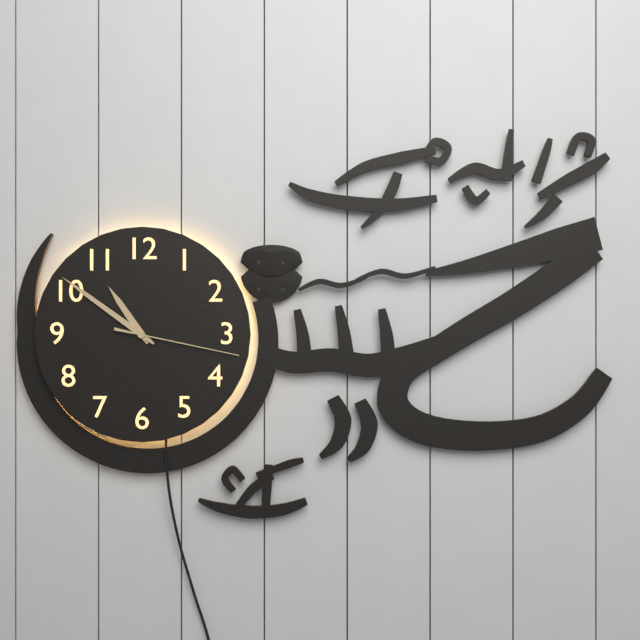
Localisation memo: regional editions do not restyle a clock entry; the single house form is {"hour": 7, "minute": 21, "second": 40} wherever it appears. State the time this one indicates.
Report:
{"hour": 10, "minute": 51, "second": 17}
